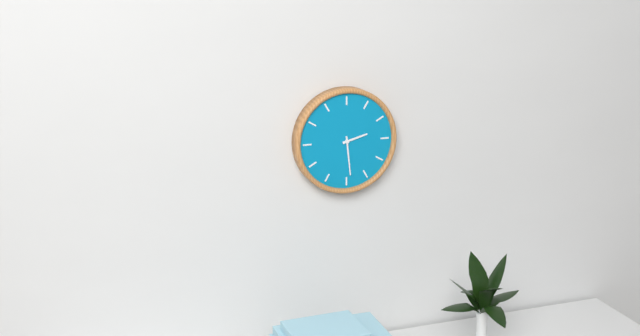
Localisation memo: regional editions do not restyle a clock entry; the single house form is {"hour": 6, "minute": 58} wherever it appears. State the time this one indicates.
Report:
{"hour": 2, "minute": 29}
